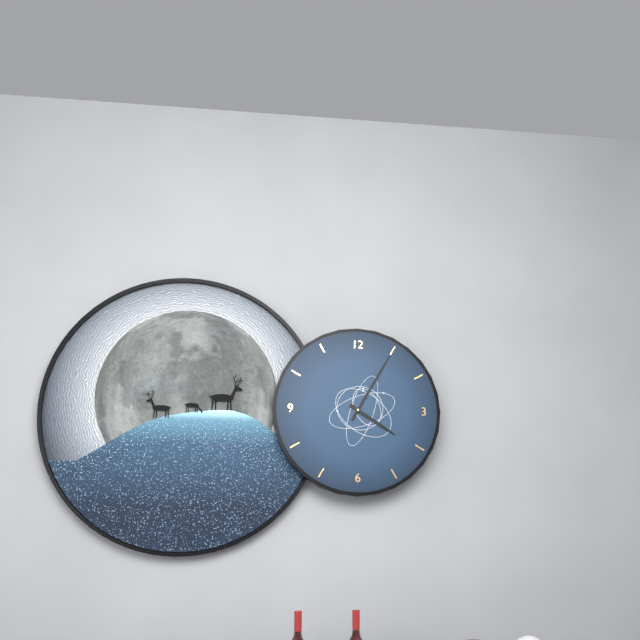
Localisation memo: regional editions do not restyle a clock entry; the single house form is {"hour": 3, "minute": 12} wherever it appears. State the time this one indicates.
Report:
{"hour": 4, "minute": 5}
